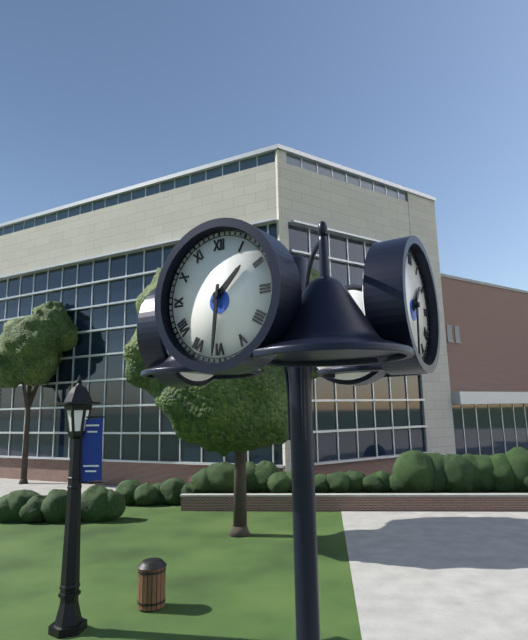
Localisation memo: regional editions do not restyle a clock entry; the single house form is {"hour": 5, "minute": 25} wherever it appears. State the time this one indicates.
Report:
{"hour": 1, "minute": 31}
